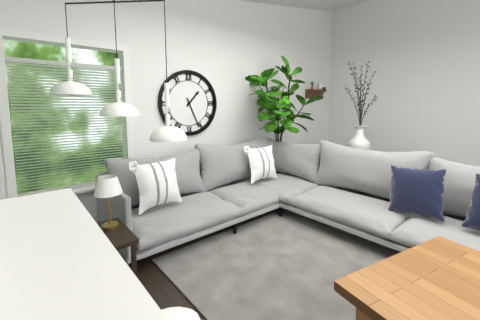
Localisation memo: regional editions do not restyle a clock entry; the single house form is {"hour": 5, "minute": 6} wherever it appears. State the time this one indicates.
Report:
{"hour": 1, "minute": 26}
